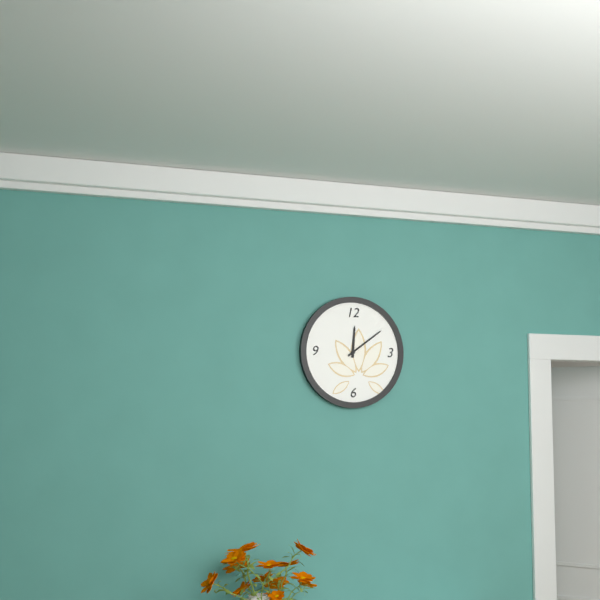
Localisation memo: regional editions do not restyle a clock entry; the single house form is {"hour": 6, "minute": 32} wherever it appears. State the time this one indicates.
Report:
{"hour": 12, "minute": 9}
